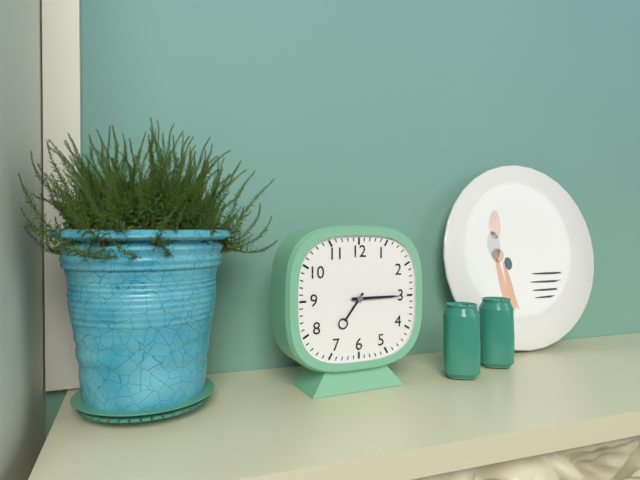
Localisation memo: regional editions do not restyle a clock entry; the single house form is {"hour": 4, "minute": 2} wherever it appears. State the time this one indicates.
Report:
{"hour": 7, "minute": 15}
